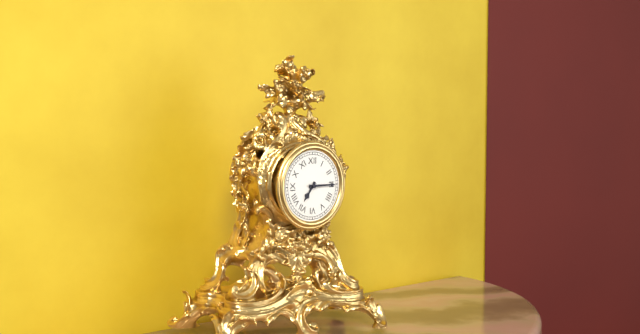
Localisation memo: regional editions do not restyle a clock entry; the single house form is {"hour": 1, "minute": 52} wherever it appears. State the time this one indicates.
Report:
{"hour": 7, "minute": 15}
